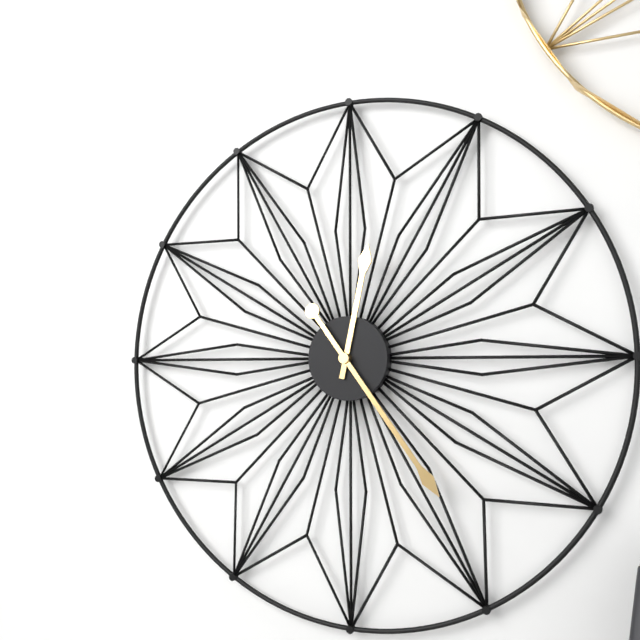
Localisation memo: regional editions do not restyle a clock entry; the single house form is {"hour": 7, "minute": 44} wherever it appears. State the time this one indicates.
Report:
{"hour": 12, "minute": 24}
